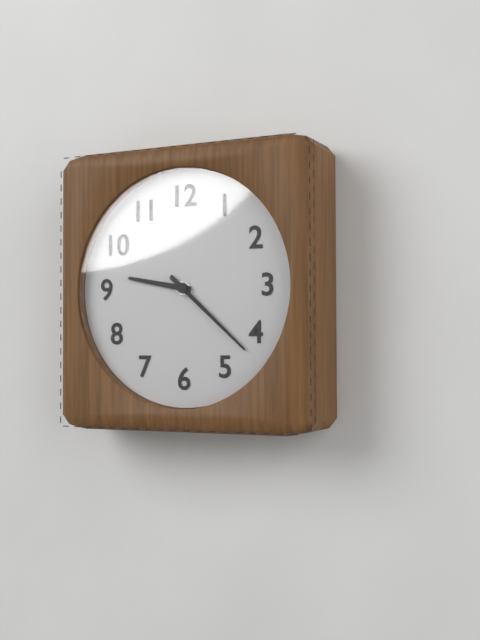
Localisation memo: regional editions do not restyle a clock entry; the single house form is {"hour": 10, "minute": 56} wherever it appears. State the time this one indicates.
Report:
{"hour": 9, "minute": 22}
